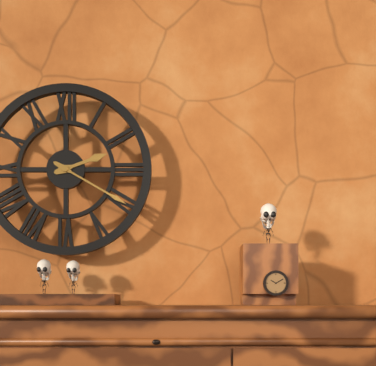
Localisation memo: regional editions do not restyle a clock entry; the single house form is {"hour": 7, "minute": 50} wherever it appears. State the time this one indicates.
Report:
{"hour": 2, "minute": 20}
